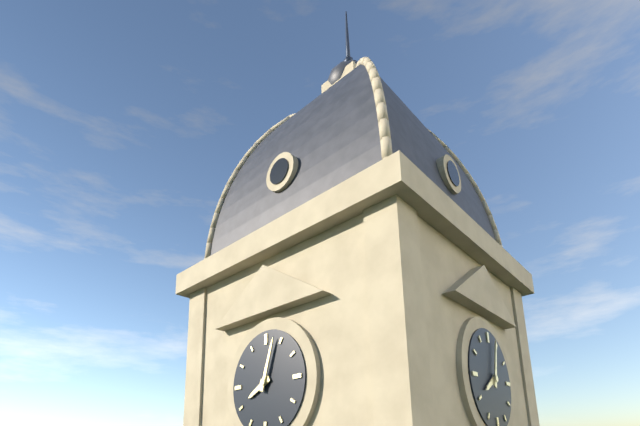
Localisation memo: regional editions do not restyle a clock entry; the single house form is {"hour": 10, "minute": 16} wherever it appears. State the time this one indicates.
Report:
{"hour": 8, "minute": 3}
